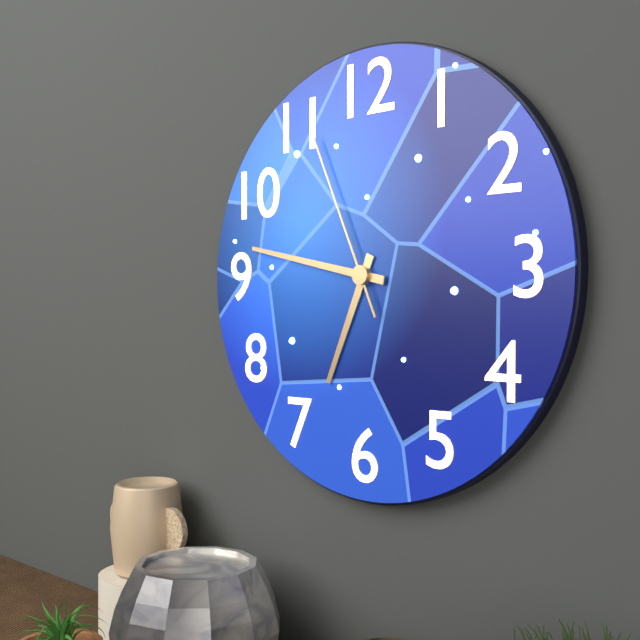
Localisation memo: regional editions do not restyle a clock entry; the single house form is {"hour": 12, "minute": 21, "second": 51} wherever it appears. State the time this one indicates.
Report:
{"hour": 6, "minute": 47, "second": 56}
